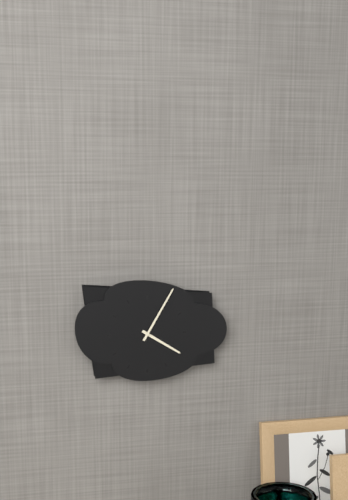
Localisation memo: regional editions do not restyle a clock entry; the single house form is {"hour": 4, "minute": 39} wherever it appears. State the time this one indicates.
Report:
{"hour": 4, "minute": 5}
